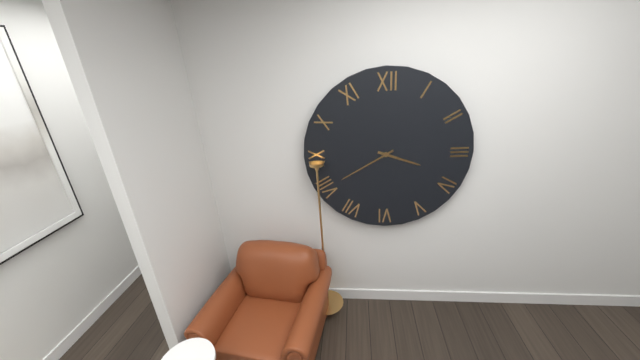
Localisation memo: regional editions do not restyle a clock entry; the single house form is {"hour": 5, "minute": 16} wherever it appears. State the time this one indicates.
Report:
{"hour": 3, "minute": 40}
